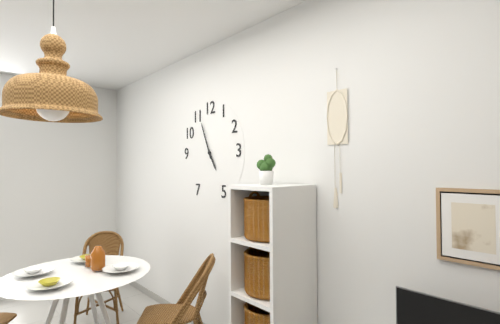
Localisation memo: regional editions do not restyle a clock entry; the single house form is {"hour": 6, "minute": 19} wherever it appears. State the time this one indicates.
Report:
{"hour": 4, "minute": 56}
